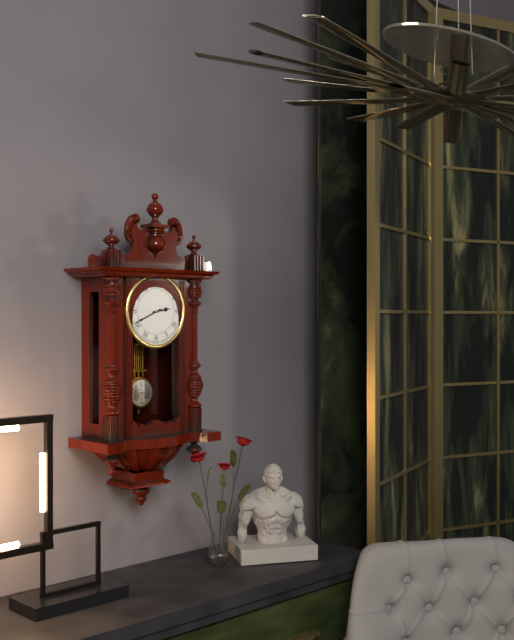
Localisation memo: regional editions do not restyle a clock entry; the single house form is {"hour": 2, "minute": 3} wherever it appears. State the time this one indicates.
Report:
{"hour": 2, "minute": 41}
